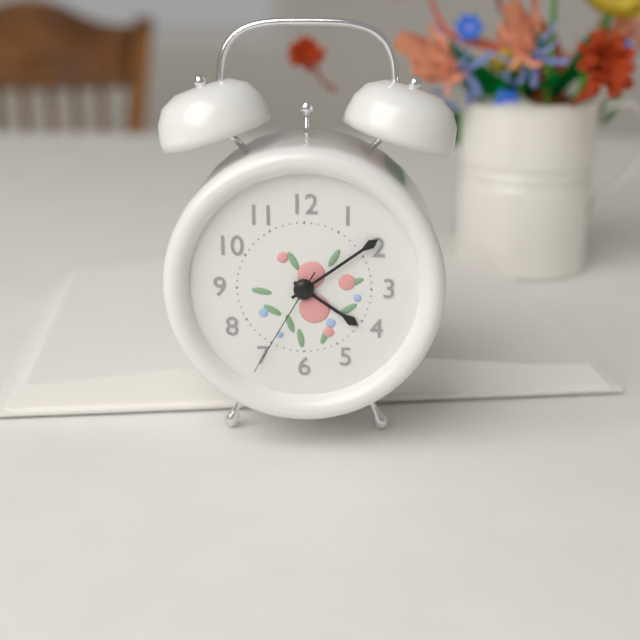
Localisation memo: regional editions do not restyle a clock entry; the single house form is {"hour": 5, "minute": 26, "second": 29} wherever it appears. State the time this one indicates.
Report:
{"hour": 4, "minute": 9, "second": 35}
